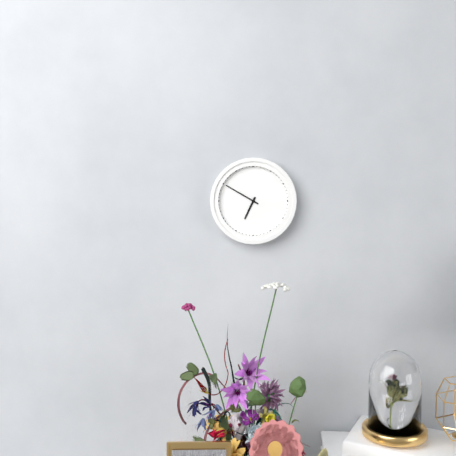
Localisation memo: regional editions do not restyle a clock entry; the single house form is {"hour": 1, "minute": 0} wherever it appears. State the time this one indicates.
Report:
{"hour": 6, "minute": 50}
